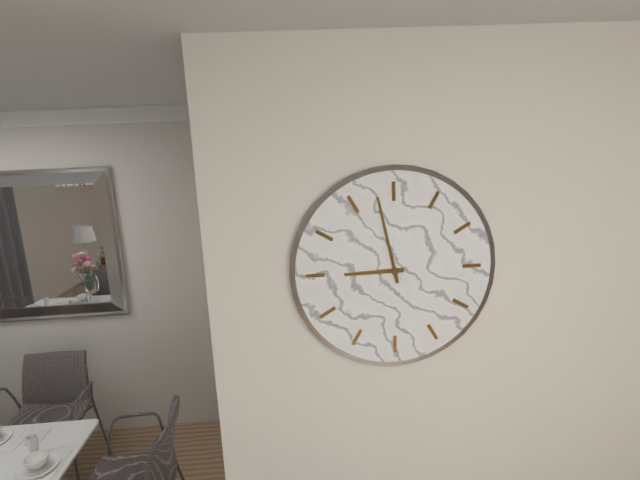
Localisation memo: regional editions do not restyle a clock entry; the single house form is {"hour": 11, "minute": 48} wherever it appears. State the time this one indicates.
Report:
{"hour": 8, "minute": 58}
